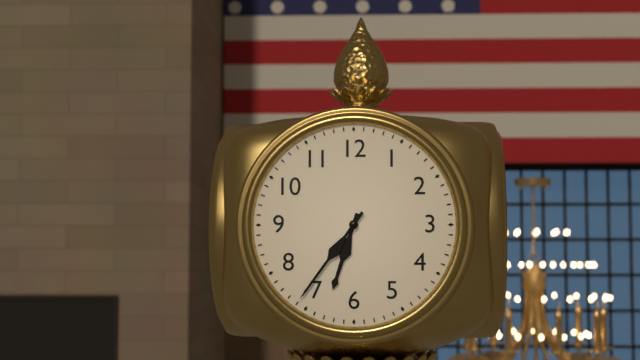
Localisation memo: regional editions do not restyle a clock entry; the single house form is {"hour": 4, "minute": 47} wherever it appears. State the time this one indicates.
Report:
{"hour": 6, "minute": 36}
